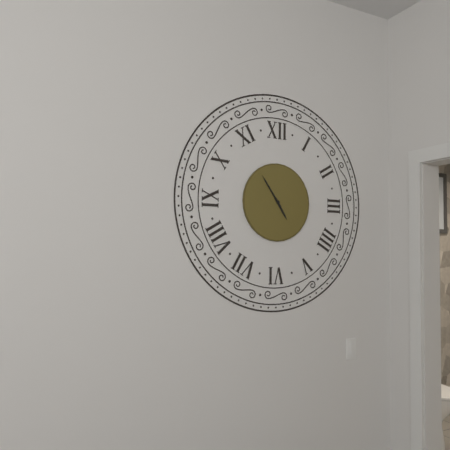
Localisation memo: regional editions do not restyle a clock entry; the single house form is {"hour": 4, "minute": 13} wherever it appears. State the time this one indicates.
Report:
{"hour": 4, "minute": 54}
